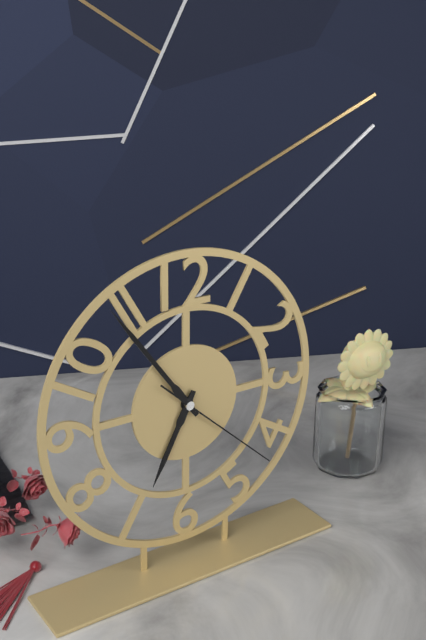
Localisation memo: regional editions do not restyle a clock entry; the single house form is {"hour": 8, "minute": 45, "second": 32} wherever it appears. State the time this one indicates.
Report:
{"hour": 6, "minute": 54, "second": 22}
